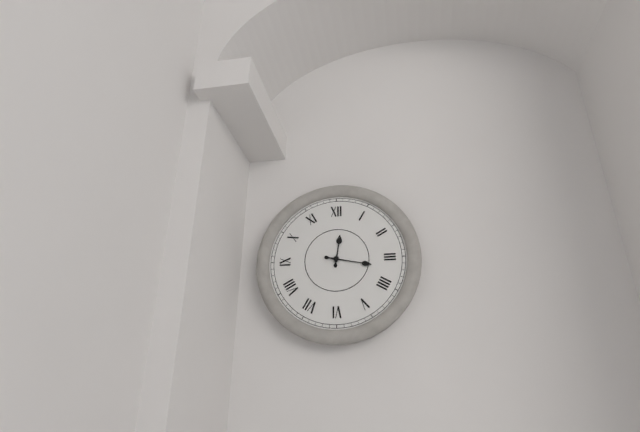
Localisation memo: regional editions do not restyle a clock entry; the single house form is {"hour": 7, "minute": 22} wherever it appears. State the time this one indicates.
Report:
{"hour": 12, "minute": 17}
